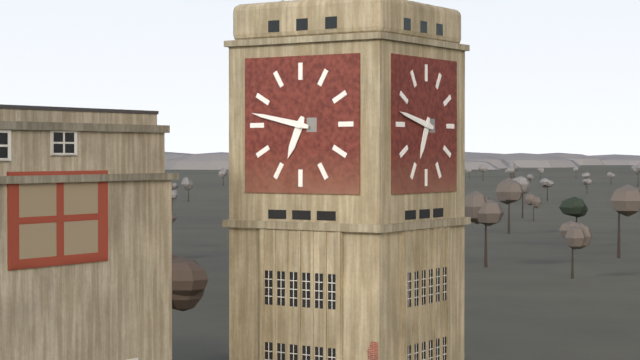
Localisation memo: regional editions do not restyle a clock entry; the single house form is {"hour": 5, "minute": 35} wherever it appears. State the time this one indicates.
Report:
{"hour": 6, "minute": 47}
